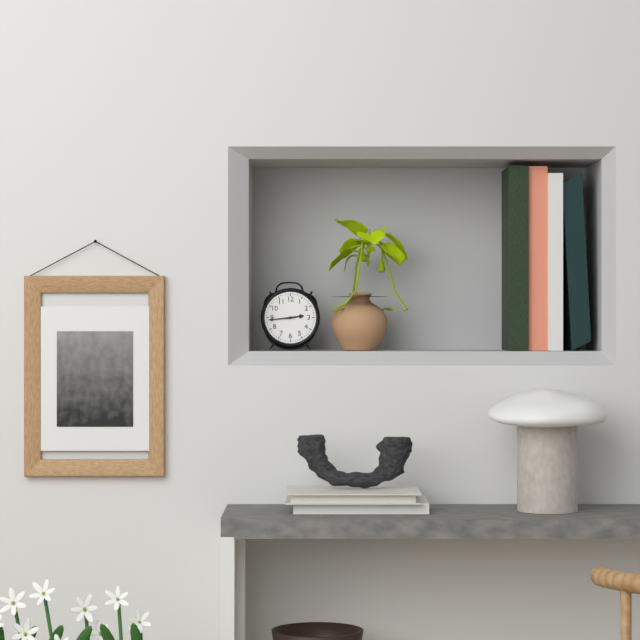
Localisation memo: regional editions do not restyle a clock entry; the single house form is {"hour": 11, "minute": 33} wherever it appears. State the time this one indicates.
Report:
{"hour": 2, "minute": 44}
